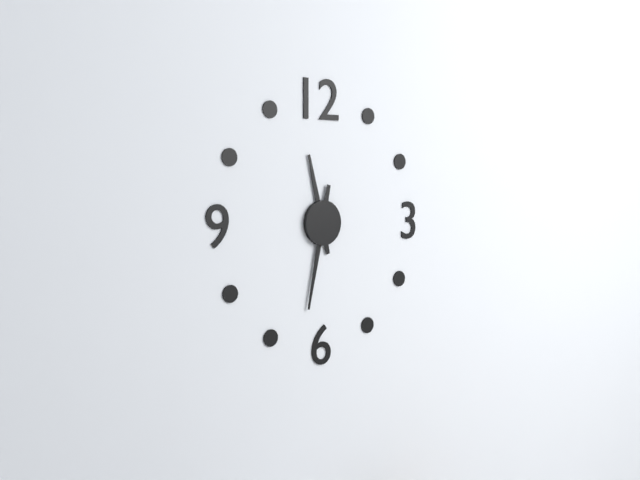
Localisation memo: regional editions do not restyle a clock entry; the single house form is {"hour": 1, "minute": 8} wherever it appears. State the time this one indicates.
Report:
{"hour": 11, "minute": 32}
